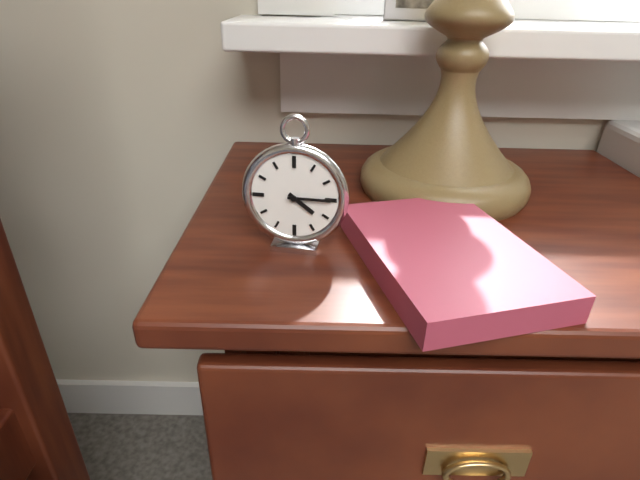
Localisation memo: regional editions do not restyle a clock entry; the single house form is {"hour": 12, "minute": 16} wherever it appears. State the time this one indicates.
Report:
{"hour": 4, "minute": 15}
